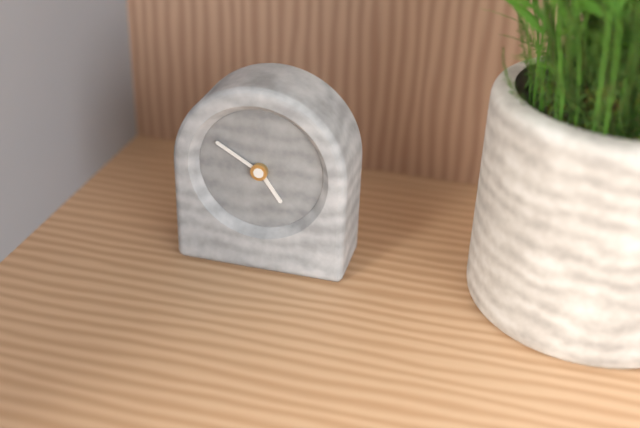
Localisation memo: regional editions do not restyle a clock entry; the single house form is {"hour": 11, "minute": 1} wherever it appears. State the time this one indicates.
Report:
{"hour": 4, "minute": 50}
